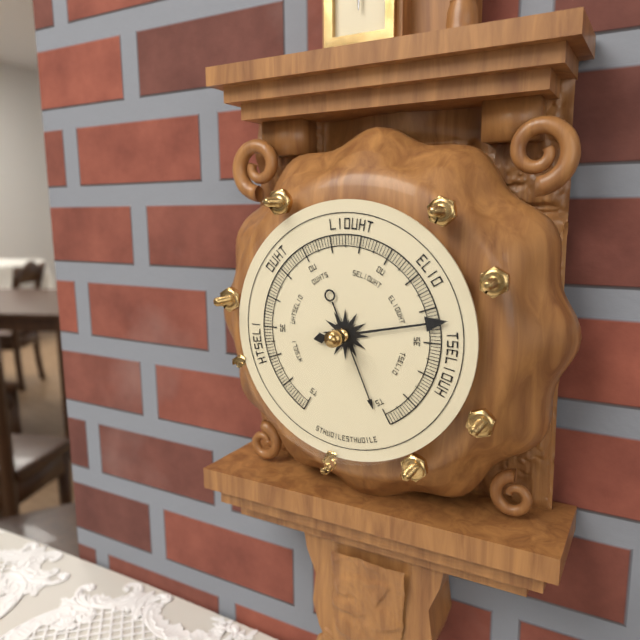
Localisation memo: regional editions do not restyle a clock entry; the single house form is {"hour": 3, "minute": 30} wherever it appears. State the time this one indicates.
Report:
{"hour": 5, "minute": 13}
